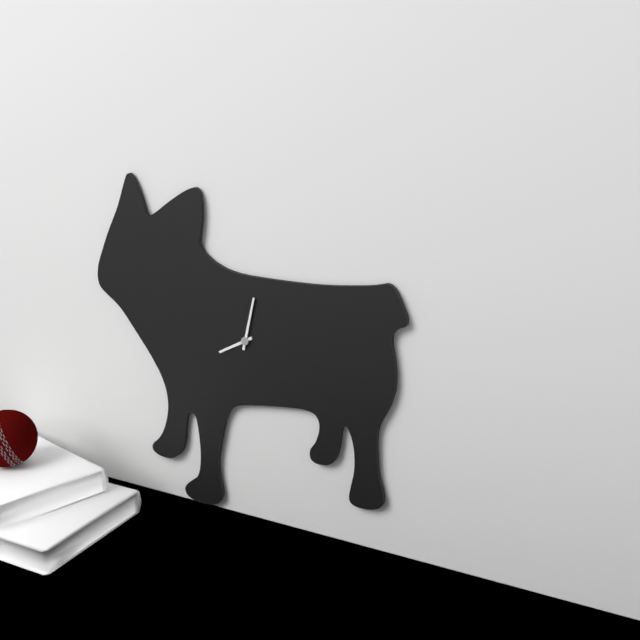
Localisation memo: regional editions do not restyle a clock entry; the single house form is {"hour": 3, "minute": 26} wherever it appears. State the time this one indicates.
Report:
{"hour": 8, "minute": 2}
